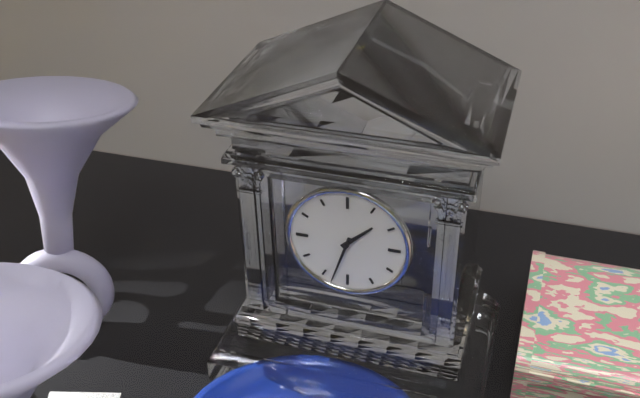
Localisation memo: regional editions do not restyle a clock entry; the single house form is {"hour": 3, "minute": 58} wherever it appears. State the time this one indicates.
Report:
{"hour": 1, "minute": 33}
